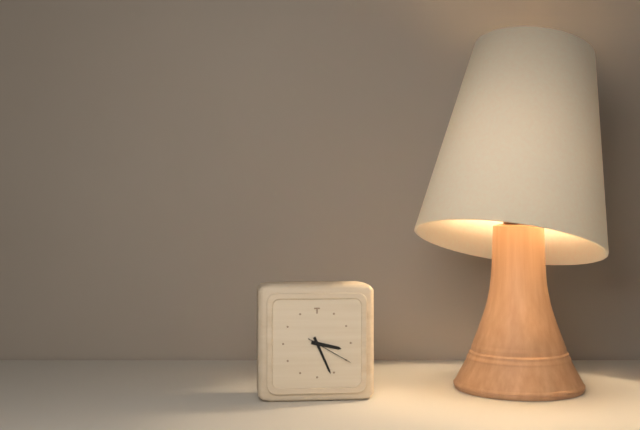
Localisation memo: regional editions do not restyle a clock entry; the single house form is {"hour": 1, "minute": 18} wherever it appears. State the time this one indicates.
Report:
{"hour": 3, "minute": 26}
